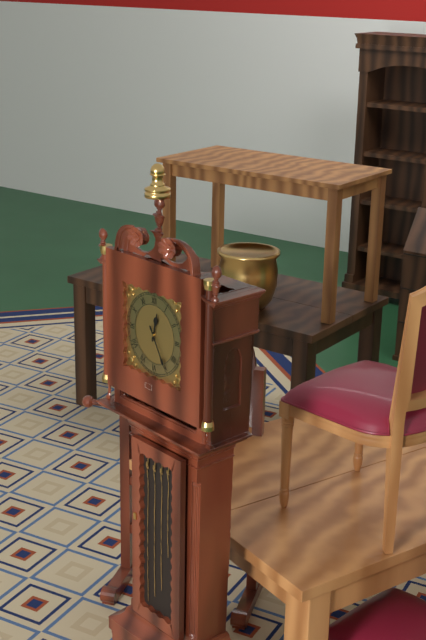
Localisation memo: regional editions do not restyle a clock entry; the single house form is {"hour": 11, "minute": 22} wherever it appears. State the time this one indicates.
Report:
{"hour": 12, "minute": 25}
